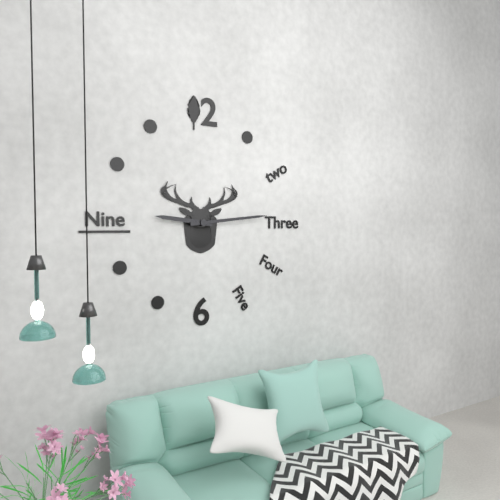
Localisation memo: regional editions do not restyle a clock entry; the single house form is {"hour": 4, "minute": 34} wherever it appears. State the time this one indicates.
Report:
{"hour": 9, "minute": 14}
